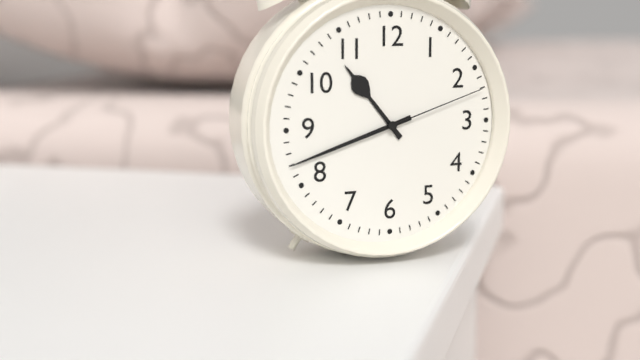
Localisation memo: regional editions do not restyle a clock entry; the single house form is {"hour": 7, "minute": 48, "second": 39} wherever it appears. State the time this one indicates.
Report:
{"hour": 10, "minute": 42, "second": 12}
